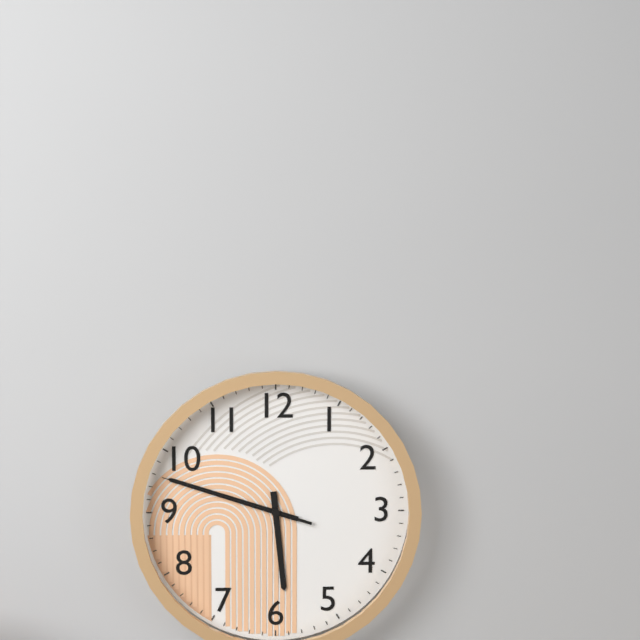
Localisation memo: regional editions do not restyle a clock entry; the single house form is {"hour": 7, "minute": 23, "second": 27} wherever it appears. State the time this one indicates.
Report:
{"hour": 5, "minute": 48, "second": 48}
